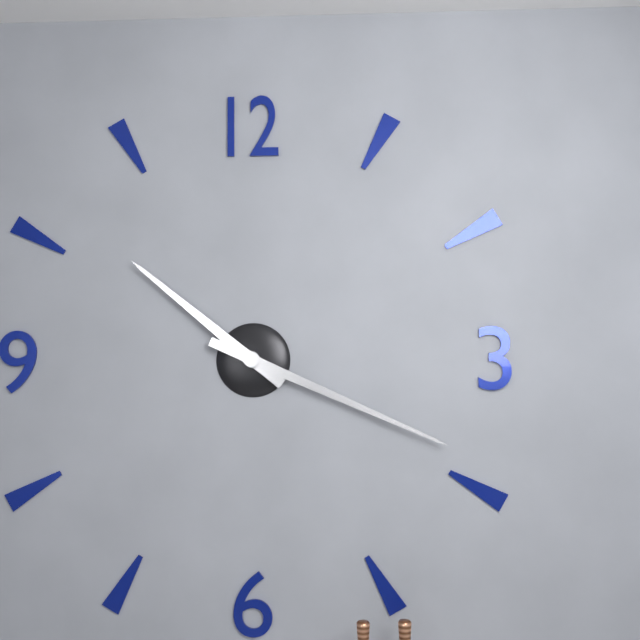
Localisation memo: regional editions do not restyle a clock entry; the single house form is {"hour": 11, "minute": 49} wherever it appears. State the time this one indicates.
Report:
{"hour": 10, "minute": 19}
